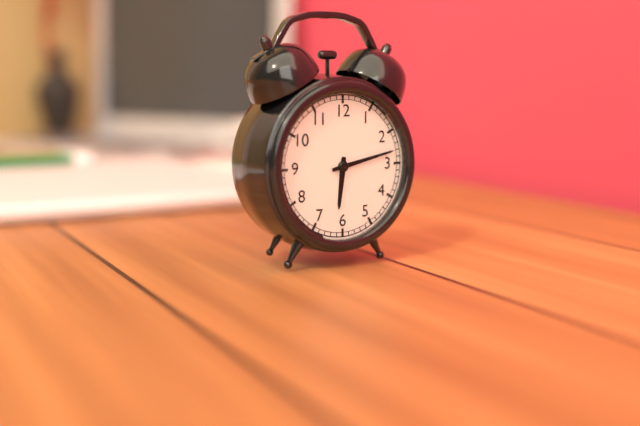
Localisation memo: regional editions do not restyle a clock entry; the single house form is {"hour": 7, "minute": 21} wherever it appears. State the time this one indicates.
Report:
{"hour": 6, "minute": 13}
